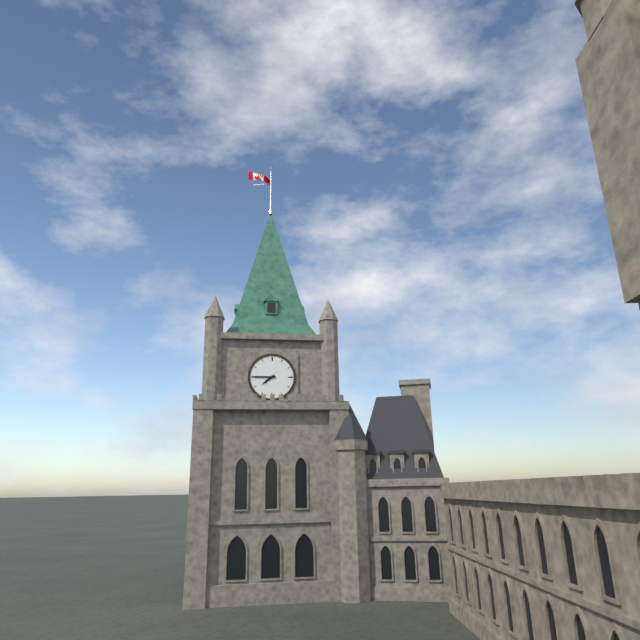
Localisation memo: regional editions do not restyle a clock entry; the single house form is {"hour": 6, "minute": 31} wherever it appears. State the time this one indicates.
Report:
{"hour": 7, "minute": 45}
